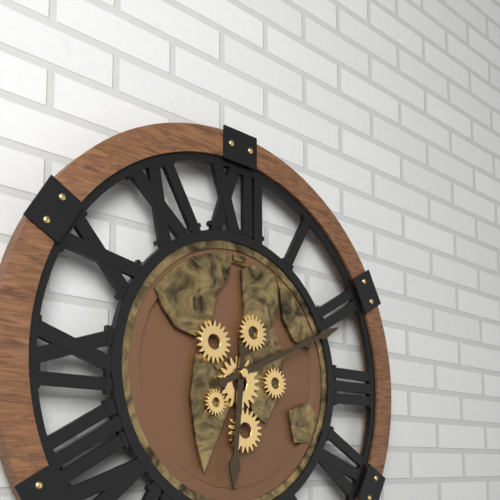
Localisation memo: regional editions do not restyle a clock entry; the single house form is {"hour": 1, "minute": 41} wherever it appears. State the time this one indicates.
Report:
{"hour": 6, "minute": 11}
